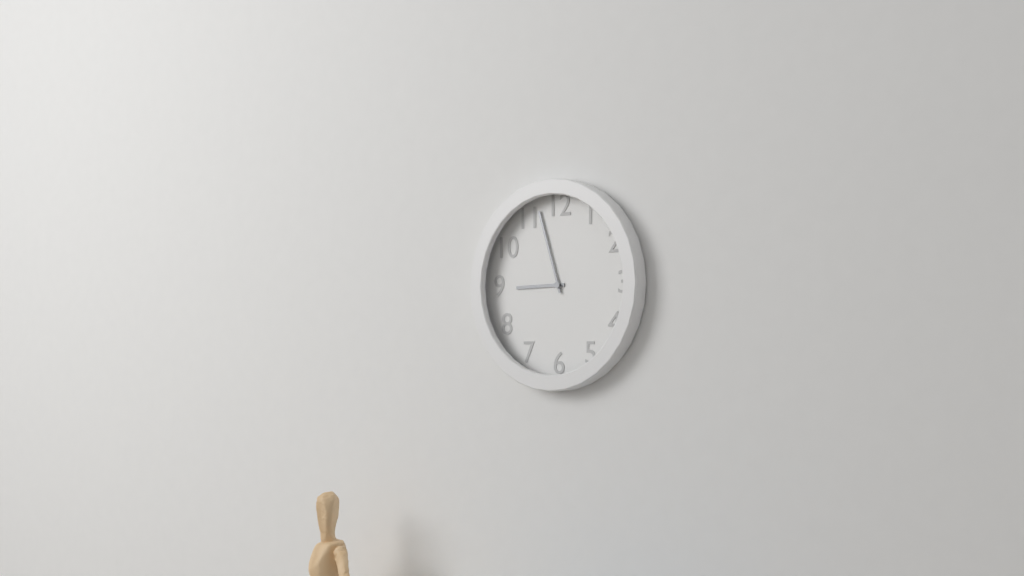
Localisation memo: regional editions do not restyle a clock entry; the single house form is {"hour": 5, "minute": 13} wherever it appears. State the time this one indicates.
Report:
{"hour": 8, "minute": 57}
